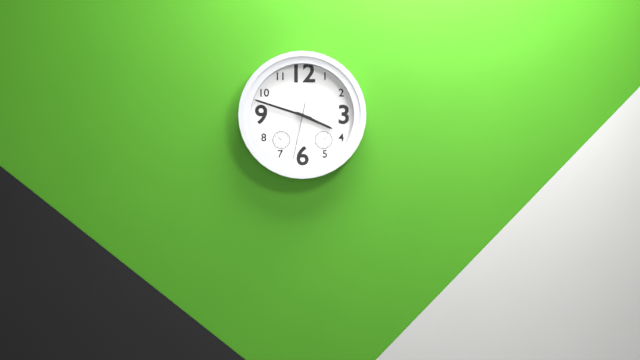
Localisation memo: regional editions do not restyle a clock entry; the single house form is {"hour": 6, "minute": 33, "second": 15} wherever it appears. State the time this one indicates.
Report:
{"hour": 3, "minute": 48, "second": 32}
